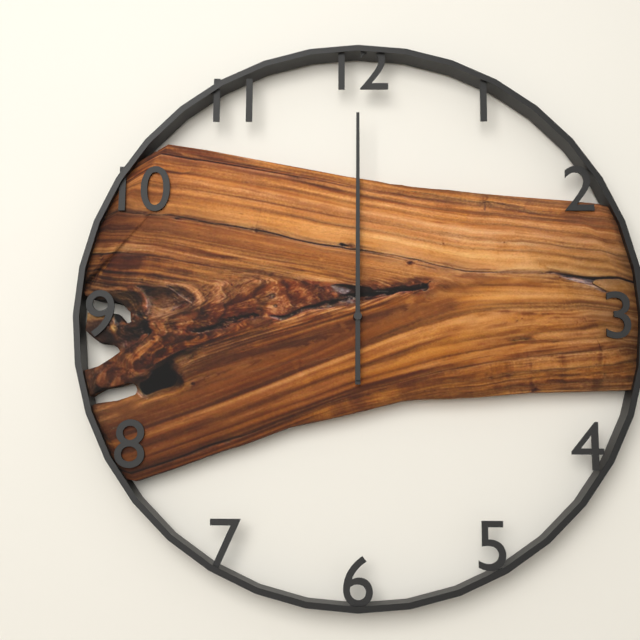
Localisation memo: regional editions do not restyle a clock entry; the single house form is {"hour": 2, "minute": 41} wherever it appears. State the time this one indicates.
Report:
{"hour": 12, "minute": 0}
